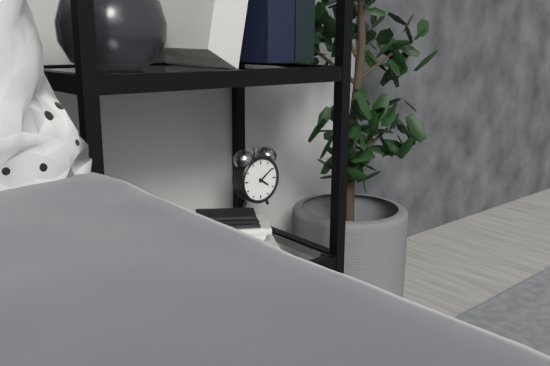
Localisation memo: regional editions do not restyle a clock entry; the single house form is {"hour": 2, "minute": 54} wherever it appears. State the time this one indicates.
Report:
{"hour": 4, "minute": 9}
